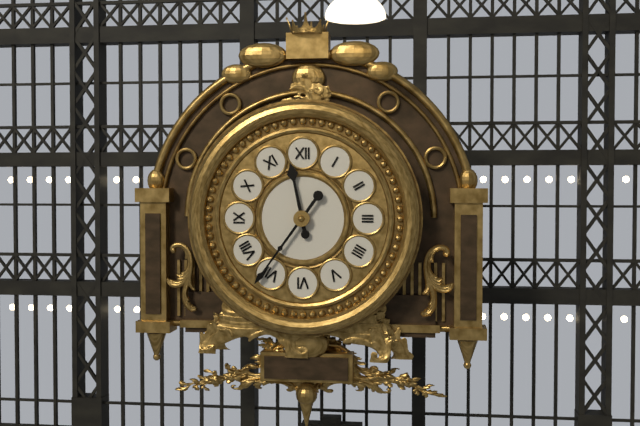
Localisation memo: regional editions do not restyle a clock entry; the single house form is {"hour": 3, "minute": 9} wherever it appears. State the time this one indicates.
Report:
{"hour": 11, "minute": 36}
